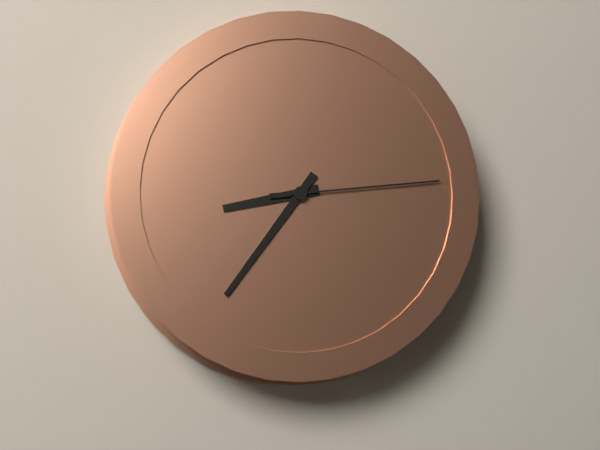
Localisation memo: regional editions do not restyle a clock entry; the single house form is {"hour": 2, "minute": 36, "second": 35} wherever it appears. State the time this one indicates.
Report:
{"hour": 8, "minute": 36, "second": 14}
